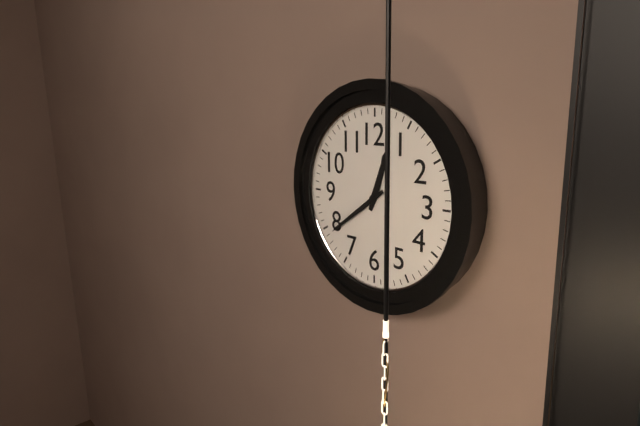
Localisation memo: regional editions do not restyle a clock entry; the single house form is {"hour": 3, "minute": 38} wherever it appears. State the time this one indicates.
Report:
{"hour": 12, "minute": 39}
